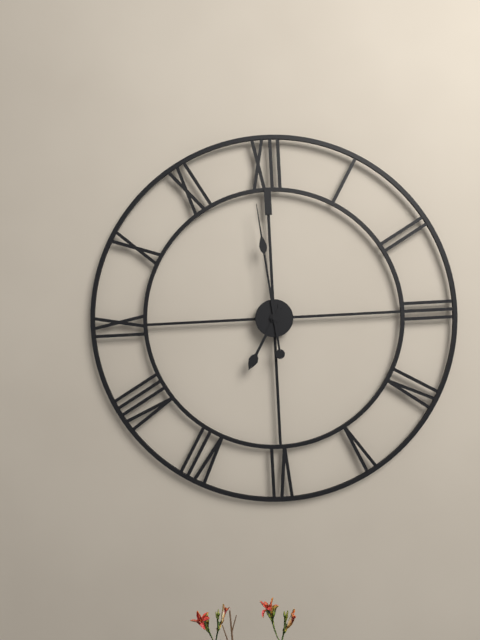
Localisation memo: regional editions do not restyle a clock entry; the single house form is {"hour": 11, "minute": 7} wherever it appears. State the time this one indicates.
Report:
{"hour": 6, "minute": 59}
